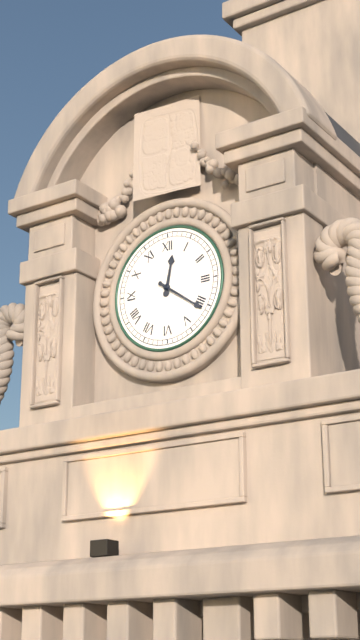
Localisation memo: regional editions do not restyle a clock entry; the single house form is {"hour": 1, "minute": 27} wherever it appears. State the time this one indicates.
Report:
{"hour": 12, "minute": 21}
